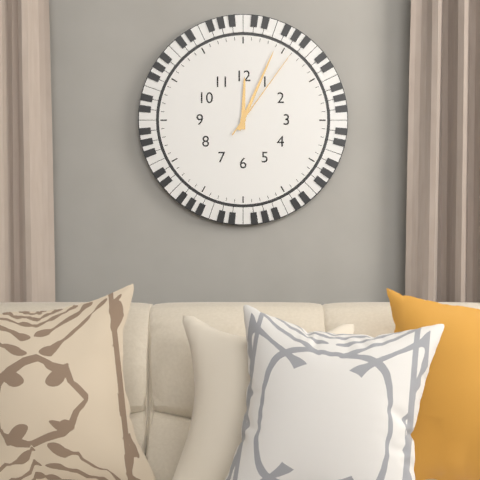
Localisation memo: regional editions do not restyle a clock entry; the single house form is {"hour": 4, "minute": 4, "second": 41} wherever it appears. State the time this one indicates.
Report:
{"hour": 12, "minute": 4, "second": 6}
